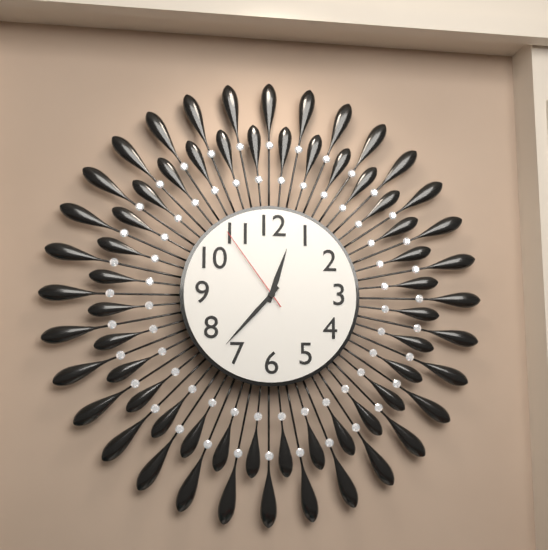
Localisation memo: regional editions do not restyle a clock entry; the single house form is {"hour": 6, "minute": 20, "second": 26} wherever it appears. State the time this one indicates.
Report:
{"hour": 12, "minute": 37, "second": 54}
